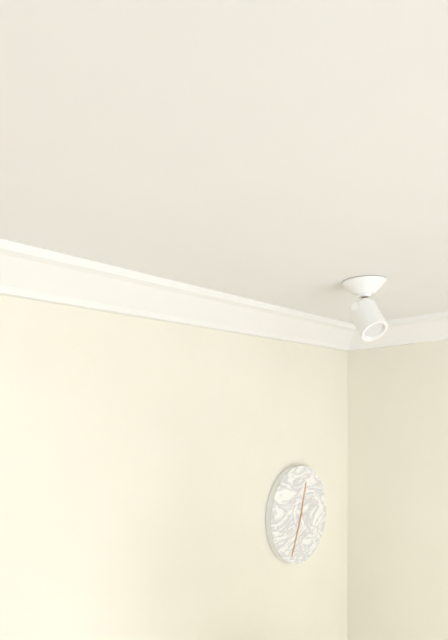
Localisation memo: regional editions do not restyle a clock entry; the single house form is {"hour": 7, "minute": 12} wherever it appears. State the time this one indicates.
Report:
{"hour": 12, "minute": 34}
